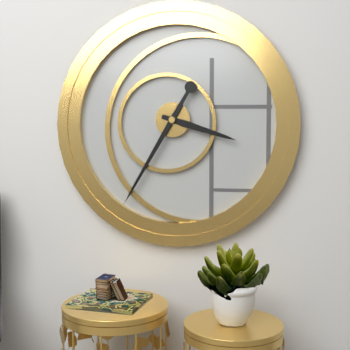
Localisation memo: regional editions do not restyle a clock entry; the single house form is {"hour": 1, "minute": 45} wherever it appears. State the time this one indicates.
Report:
{"hour": 3, "minute": 35}
